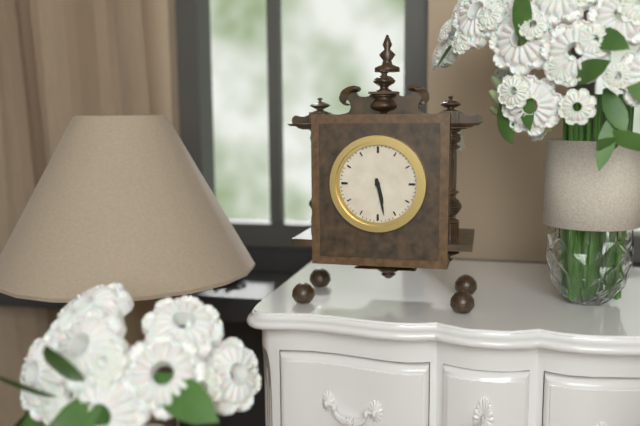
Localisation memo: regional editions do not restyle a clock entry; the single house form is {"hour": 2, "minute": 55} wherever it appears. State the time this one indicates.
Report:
{"hour": 5, "minute": 28}
